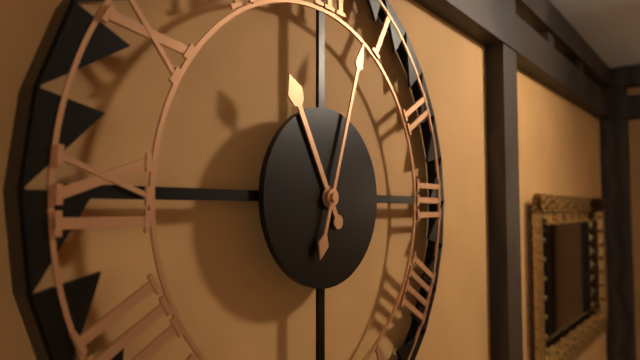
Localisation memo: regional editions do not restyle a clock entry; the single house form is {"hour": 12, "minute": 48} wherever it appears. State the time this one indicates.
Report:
{"hour": 11, "minute": 3}
